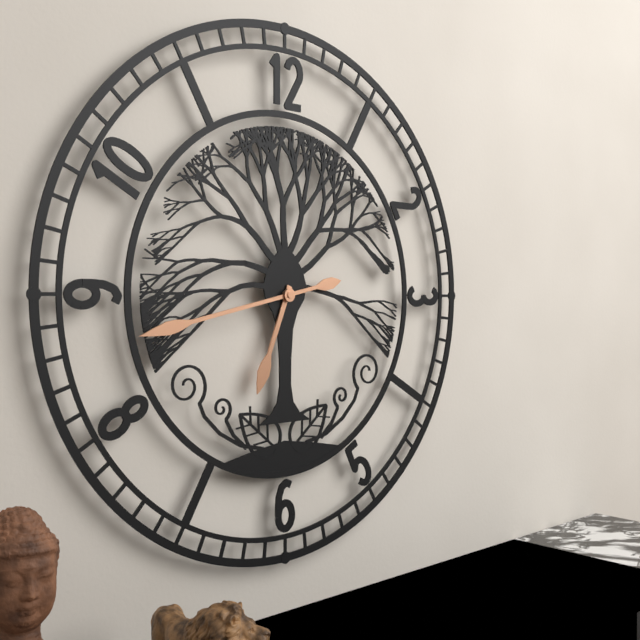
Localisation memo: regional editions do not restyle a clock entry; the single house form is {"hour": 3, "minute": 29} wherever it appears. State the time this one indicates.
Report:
{"hour": 6, "minute": 43}
